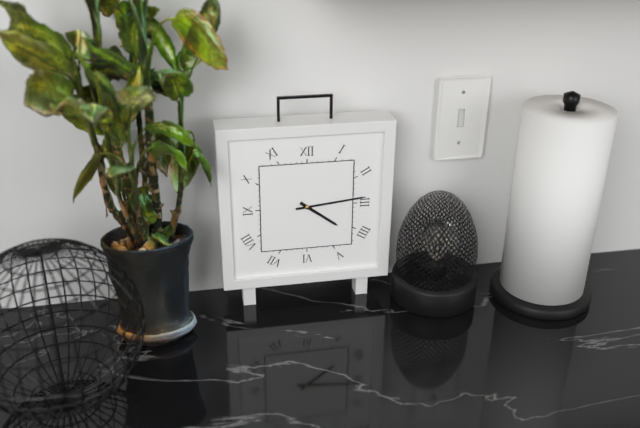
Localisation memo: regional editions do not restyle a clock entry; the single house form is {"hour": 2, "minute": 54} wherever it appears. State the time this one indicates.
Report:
{"hour": 4, "minute": 14}
